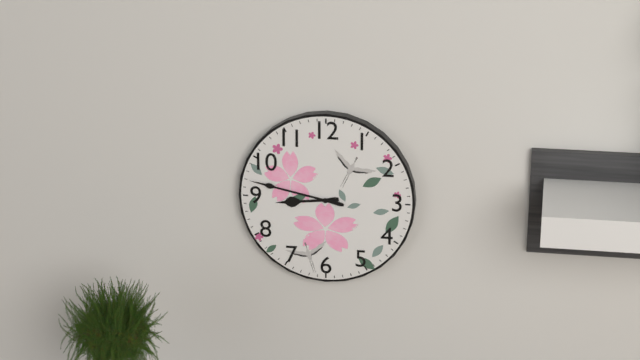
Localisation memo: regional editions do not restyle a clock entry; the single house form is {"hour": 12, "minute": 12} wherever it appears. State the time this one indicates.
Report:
{"hour": 8, "minute": 47}
